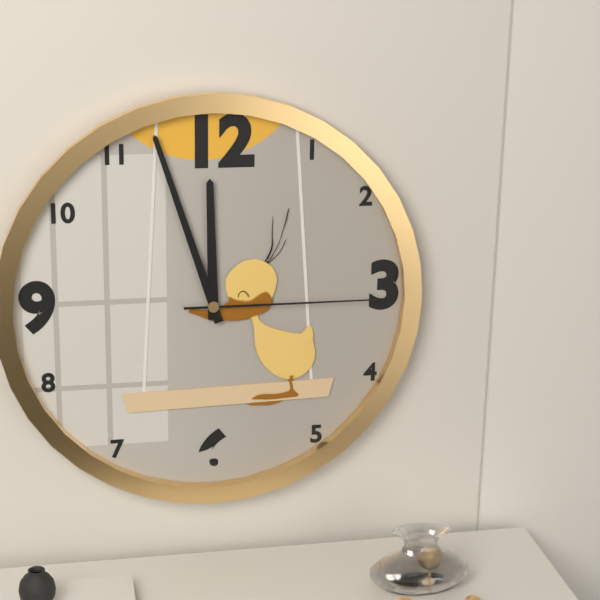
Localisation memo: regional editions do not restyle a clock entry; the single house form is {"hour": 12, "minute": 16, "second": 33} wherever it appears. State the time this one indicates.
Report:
{"hour": 11, "minute": 57, "second": 15}
